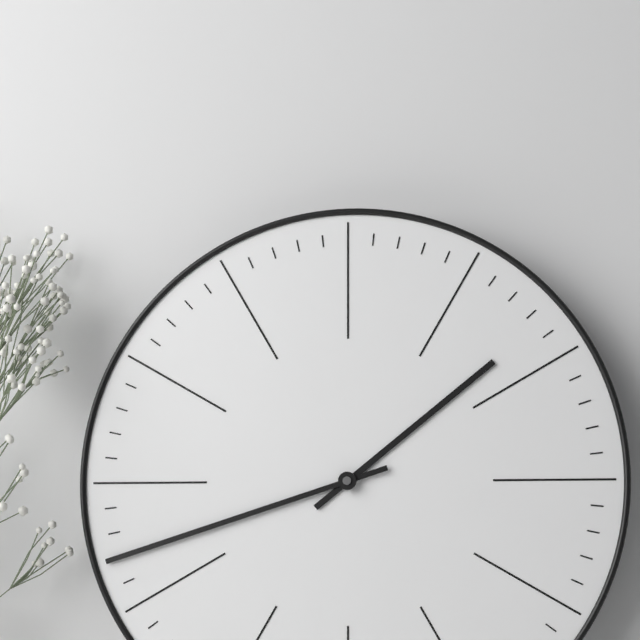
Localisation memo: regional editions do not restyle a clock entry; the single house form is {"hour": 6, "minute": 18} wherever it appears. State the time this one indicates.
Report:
{"hour": 1, "minute": 42}
